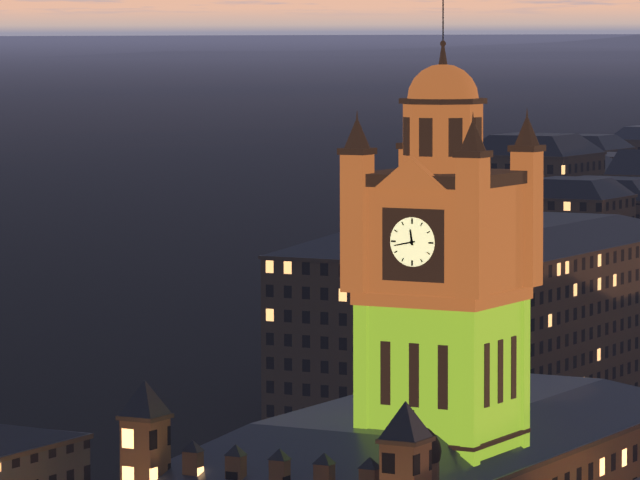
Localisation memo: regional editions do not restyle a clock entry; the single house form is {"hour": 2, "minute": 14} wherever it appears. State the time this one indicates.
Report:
{"hour": 11, "minute": 43}
